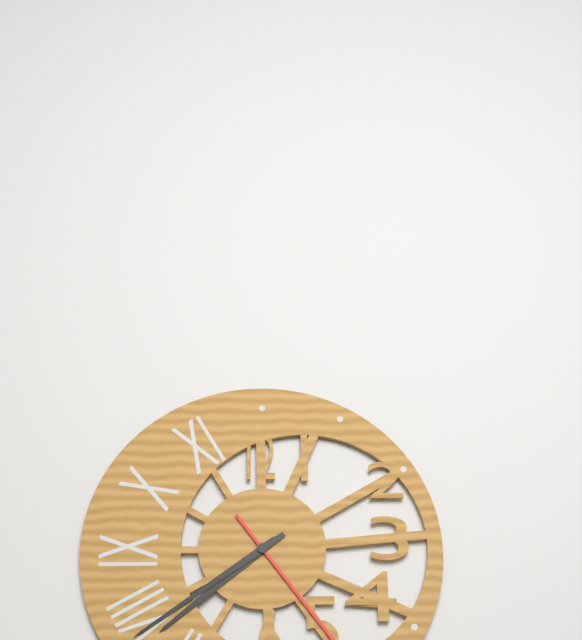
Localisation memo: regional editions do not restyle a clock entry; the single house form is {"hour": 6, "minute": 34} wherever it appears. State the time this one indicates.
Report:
{"hour": 7, "minute": 39}
